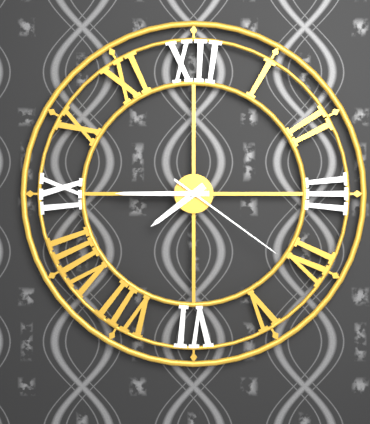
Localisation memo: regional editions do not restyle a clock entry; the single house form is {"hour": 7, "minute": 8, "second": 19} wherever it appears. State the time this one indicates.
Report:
{"hour": 7, "minute": 45, "second": 21}
